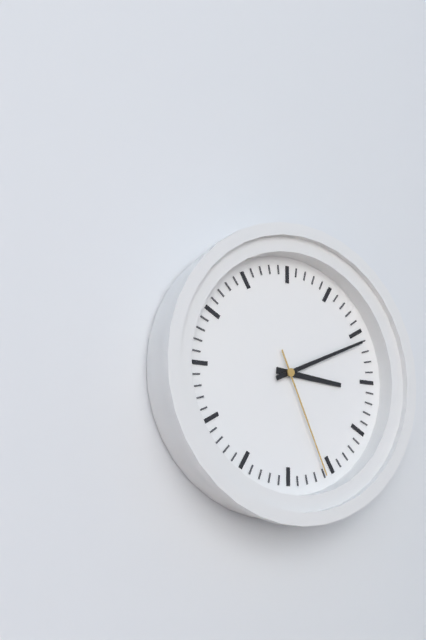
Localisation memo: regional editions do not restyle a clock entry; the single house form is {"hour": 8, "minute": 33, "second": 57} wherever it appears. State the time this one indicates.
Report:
{"hour": 3, "minute": 11, "second": 26}
